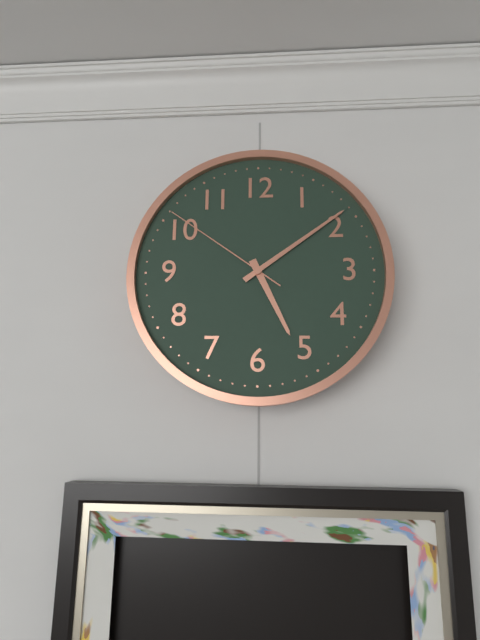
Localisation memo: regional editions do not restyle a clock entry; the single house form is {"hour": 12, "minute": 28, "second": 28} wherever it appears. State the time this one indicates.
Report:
{"hour": 5, "minute": 9, "second": 51}
